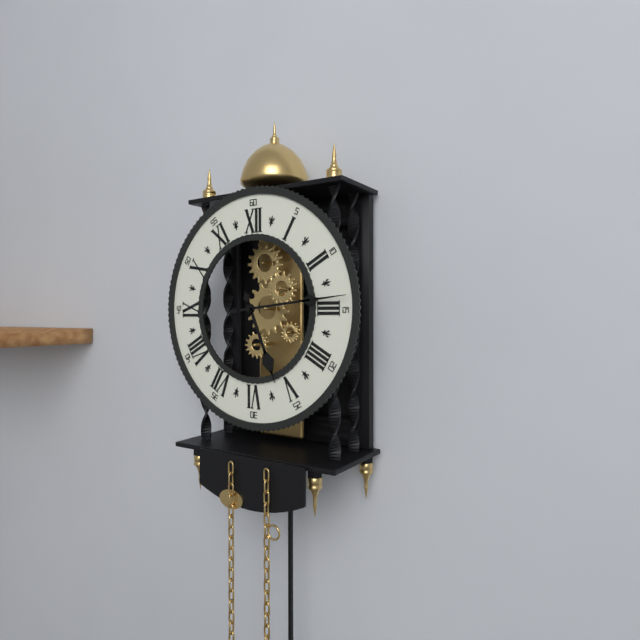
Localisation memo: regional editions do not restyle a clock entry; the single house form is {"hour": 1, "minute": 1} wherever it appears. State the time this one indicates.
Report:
{"hour": 5, "minute": 14}
